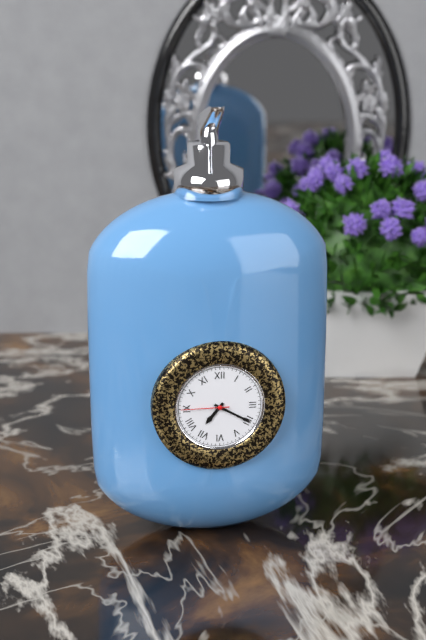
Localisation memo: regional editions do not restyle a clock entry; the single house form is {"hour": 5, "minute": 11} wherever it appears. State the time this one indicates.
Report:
{"hour": 7, "minute": 20}
